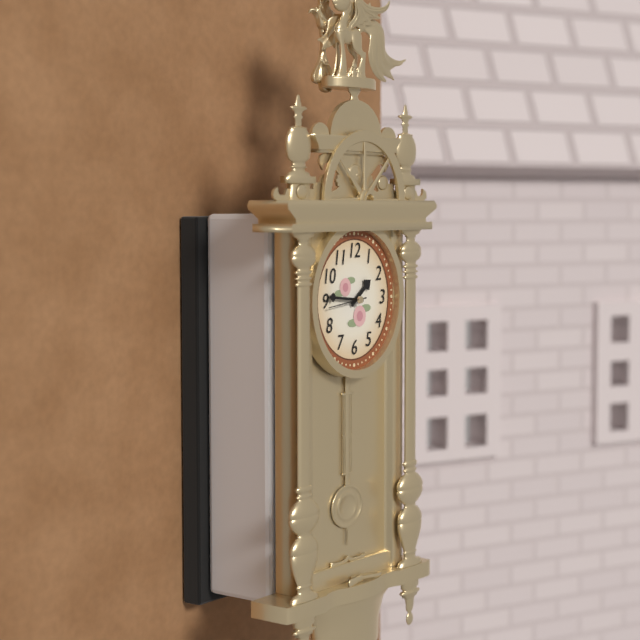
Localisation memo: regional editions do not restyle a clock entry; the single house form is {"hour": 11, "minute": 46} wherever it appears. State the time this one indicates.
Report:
{"hour": 1, "minute": 46}
